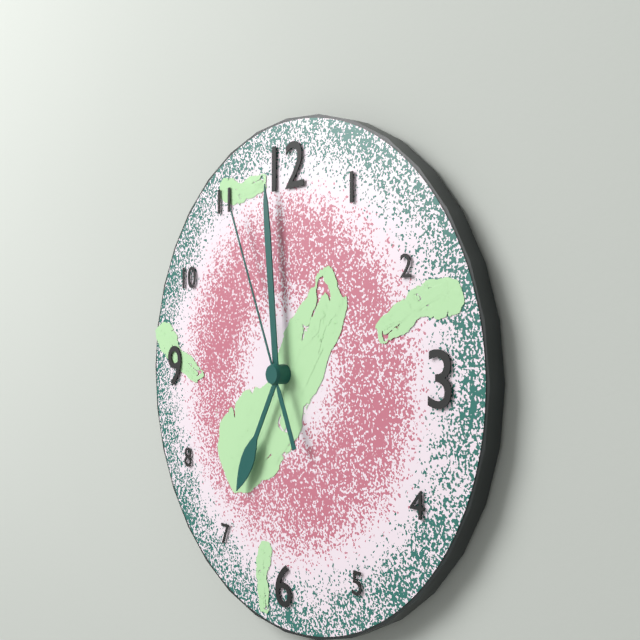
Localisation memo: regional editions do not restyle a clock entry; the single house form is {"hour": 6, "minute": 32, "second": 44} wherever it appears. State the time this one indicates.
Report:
{"hour": 6, "minute": 59, "second": 56}
